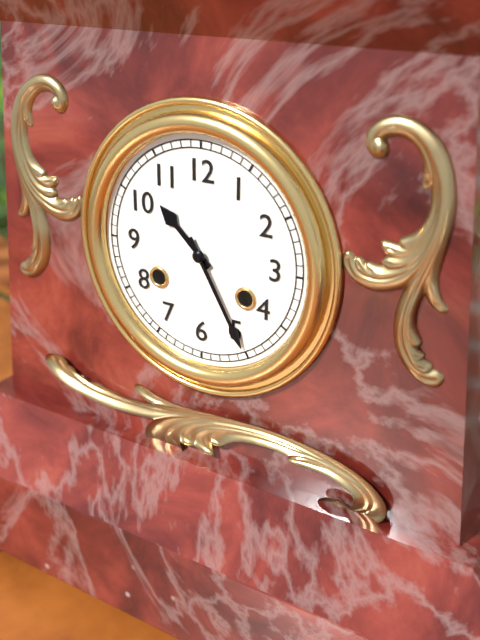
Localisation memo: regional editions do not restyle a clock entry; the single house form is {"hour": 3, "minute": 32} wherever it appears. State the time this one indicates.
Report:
{"hour": 10, "minute": 25}
